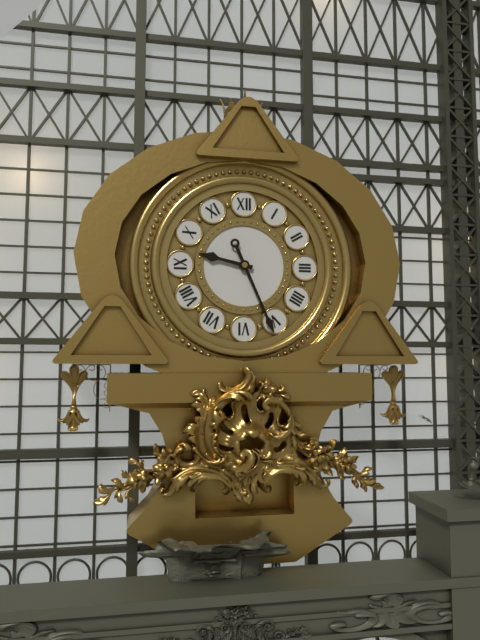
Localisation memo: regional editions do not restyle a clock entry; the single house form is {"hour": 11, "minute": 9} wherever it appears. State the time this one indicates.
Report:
{"hour": 9, "minute": 26}
